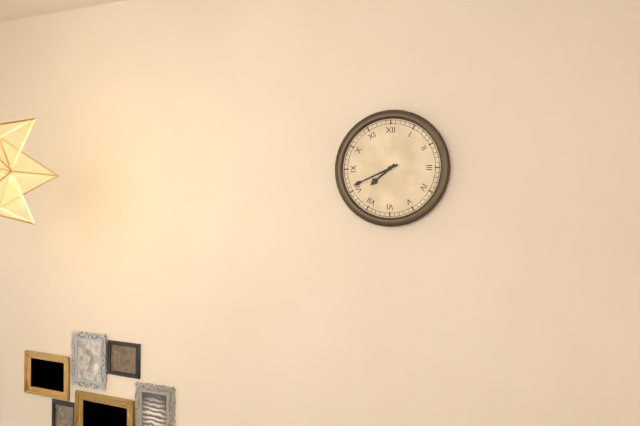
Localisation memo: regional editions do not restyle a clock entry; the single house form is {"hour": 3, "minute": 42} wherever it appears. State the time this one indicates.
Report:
{"hour": 7, "minute": 41}
